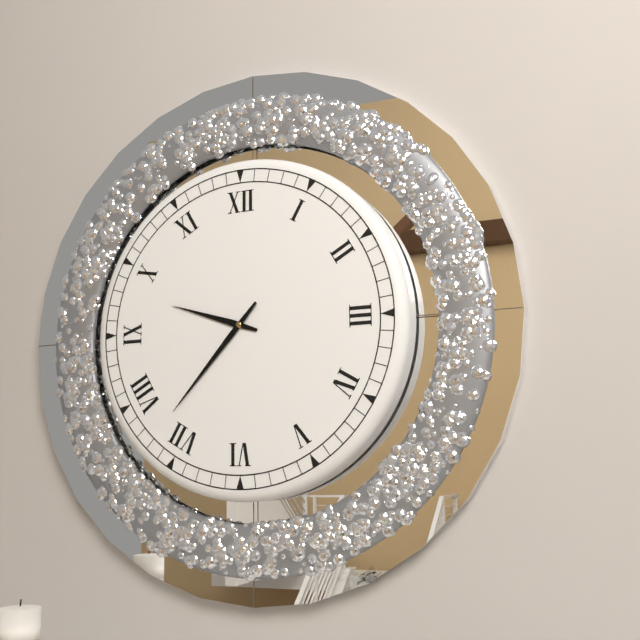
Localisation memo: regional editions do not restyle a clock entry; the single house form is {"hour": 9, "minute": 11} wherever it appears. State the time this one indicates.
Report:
{"hour": 9, "minute": 37}
